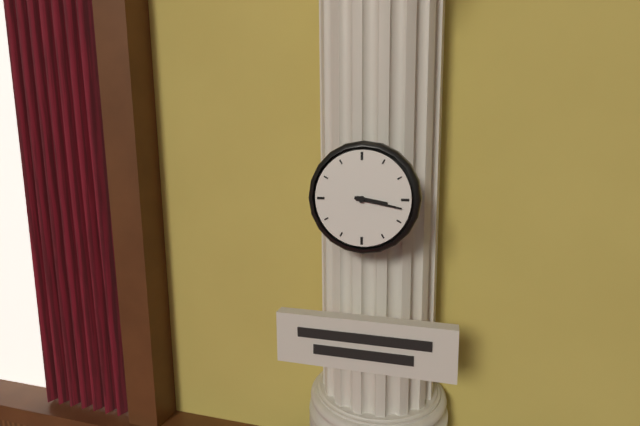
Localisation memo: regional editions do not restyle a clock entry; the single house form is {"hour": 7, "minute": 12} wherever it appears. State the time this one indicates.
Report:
{"hour": 3, "minute": 17}
